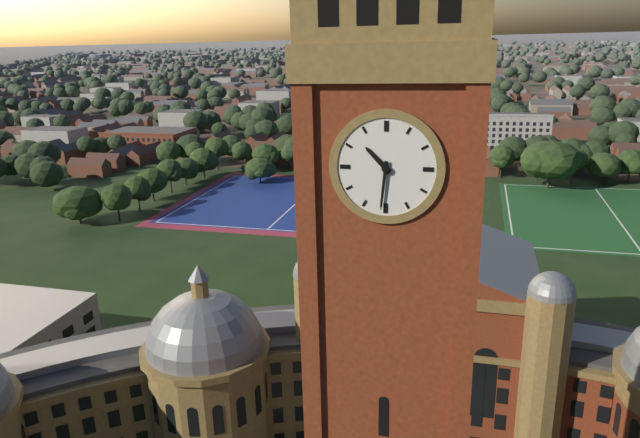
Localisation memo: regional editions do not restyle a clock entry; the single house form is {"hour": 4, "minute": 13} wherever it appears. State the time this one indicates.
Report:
{"hour": 10, "minute": 31}
